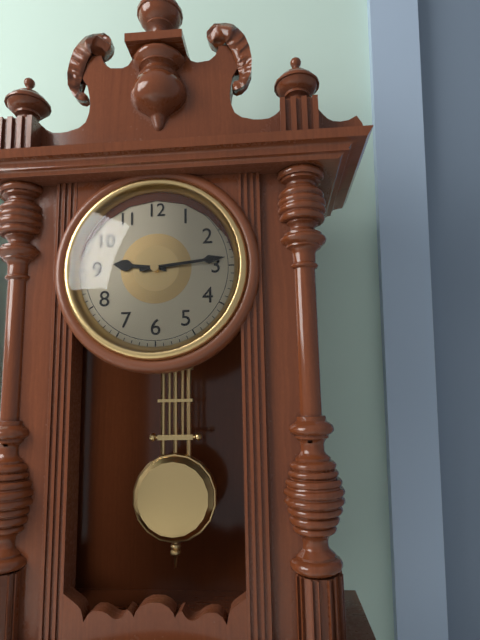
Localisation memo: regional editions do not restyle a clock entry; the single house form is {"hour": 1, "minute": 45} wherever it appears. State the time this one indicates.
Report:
{"hour": 9, "minute": 14}
